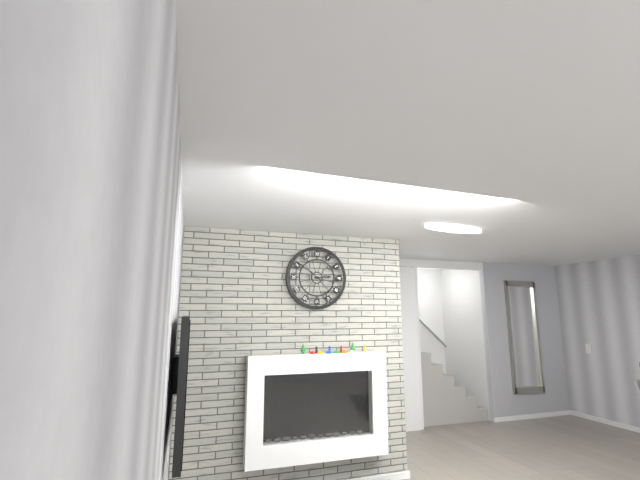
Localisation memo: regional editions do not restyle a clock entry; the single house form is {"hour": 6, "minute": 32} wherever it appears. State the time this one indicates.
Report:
{"hour": 2, "minute": 51}
